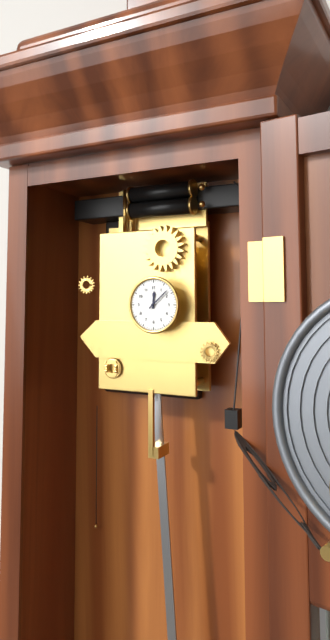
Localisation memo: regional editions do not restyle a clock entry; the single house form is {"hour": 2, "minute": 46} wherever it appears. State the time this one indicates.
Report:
{"hour": 12, "minute": 8}
